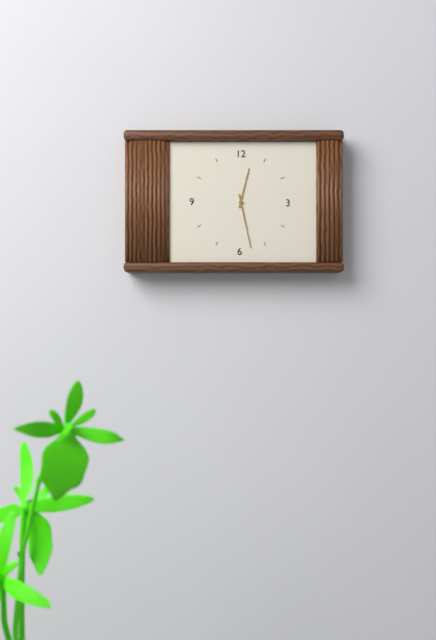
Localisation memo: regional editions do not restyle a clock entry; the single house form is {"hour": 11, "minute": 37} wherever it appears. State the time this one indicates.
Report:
{"hour": 12, "minute": 28}
